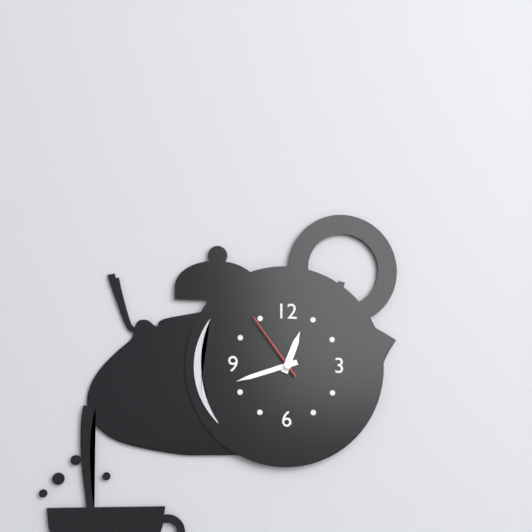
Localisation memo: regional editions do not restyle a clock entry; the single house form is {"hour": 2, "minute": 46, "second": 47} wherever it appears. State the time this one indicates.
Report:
{"hour": 12, "minute": 42, "second": 54}
